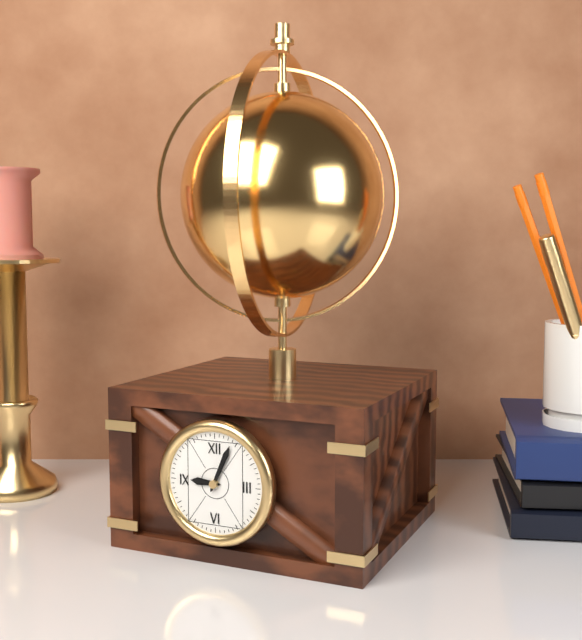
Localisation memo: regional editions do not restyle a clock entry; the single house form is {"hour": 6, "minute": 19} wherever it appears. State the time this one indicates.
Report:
{"hour": 9, "minute": 4}
